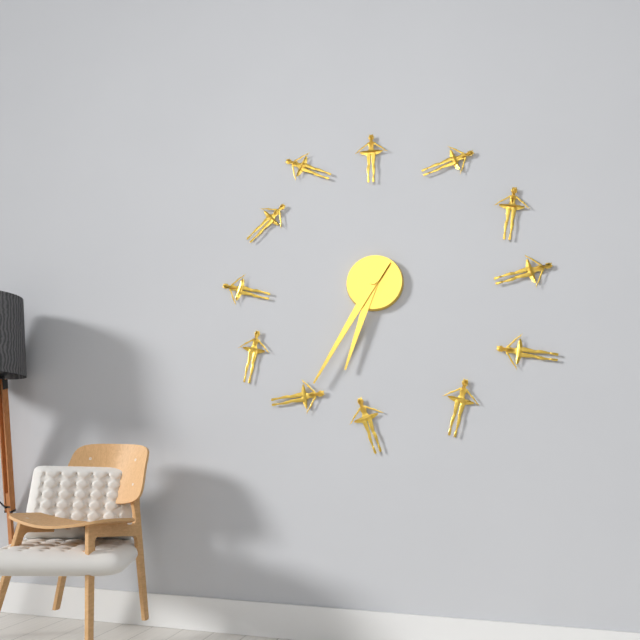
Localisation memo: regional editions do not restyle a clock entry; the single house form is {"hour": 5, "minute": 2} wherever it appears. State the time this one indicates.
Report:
{"hour": 6, "minute": 35}
